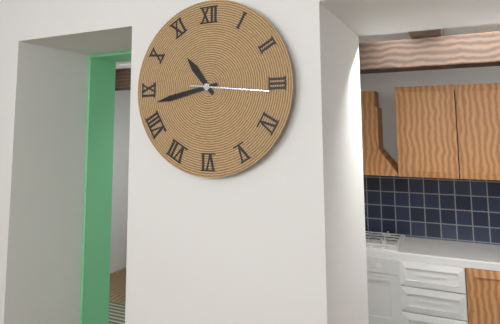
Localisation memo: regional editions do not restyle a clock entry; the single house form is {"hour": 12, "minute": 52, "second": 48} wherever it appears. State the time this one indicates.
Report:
{"hour": 10, "minute": 43, "second": 16}
